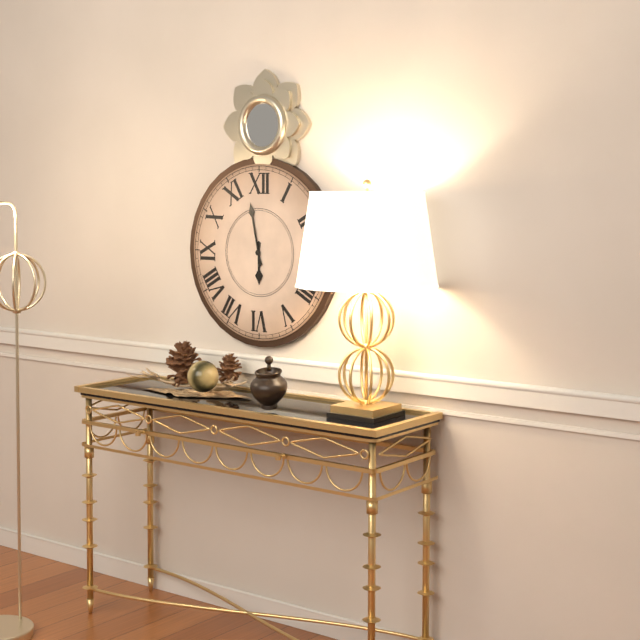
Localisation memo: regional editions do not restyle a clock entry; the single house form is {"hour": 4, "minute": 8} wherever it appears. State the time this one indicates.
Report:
{"hour": 5, "minute": 58}
